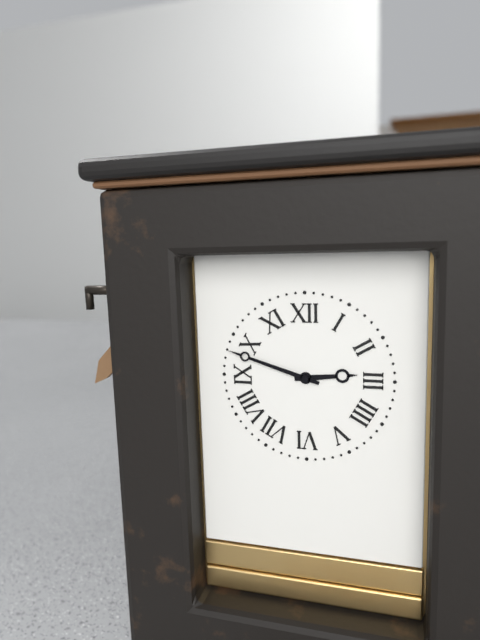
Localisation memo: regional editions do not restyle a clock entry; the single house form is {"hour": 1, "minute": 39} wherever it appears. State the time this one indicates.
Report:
{"hour": 2, "minute": 48}
